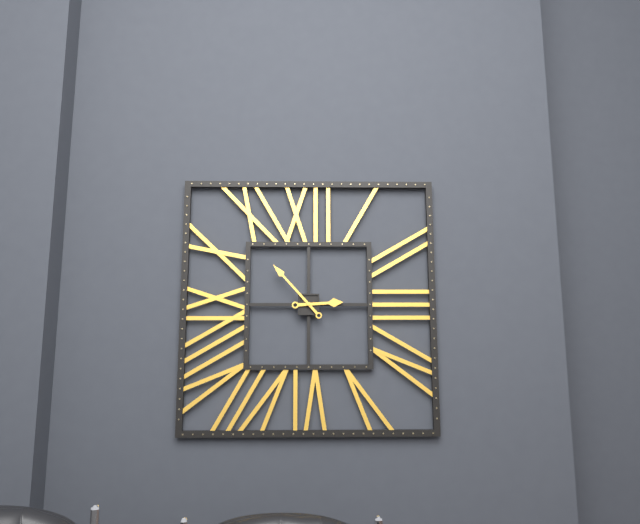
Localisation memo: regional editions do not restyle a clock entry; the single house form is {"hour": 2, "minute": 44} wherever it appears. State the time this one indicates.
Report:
{"hour": 2, "minute": 53}
